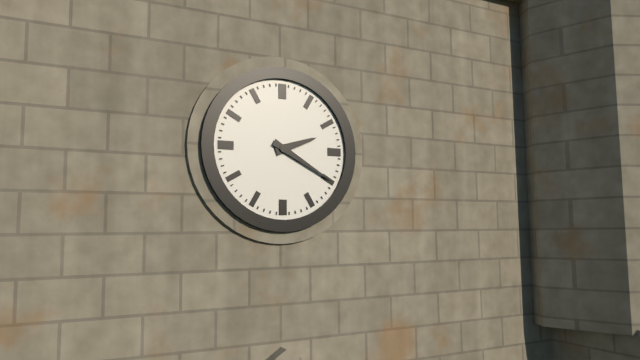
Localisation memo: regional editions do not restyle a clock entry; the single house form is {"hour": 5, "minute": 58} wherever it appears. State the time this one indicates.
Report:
{"hour": 2, "minute": 20}
